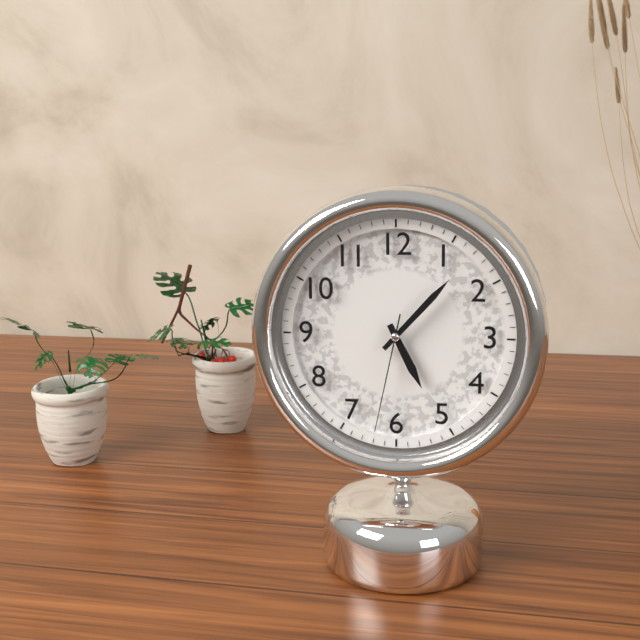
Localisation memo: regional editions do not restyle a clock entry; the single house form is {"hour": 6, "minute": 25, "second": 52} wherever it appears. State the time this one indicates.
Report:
{"hour": 5, "minute": 7, "second": 32}
